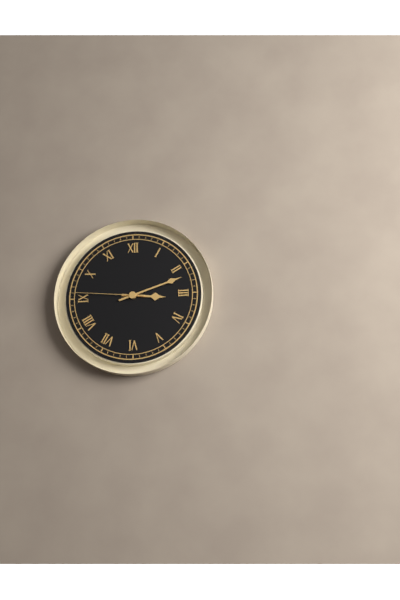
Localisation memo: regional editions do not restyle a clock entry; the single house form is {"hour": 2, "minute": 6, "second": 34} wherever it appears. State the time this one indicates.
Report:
{"hour": 3, "minute": 12, "second": 46}
